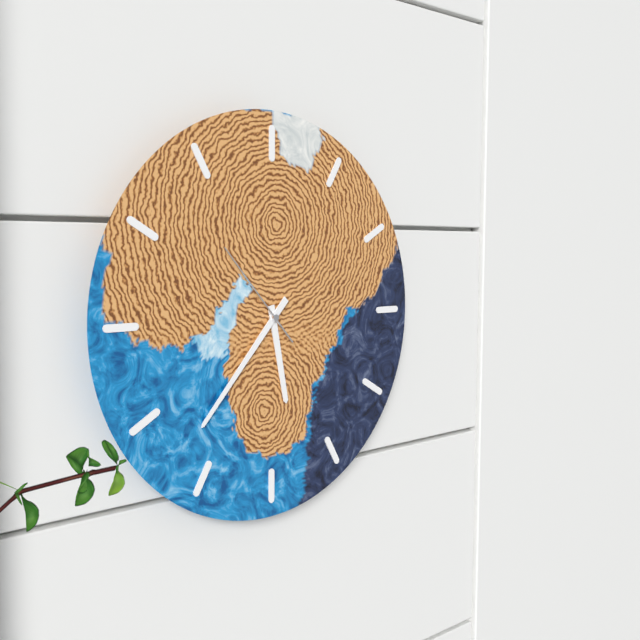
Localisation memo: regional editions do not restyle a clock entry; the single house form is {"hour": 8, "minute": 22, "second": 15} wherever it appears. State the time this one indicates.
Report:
{"hour": 5, "minute": 37, "second": 53}
